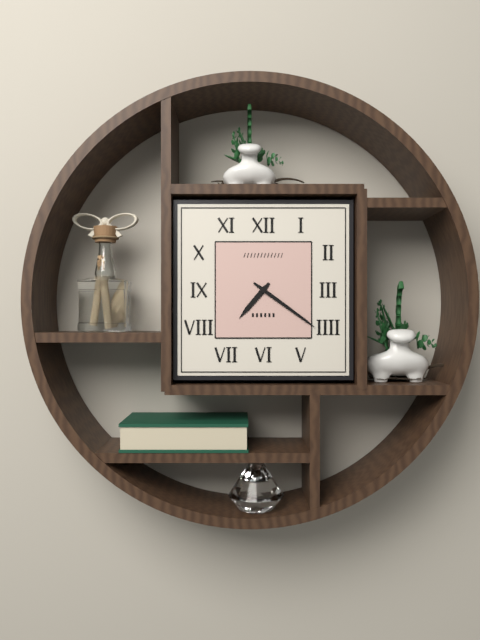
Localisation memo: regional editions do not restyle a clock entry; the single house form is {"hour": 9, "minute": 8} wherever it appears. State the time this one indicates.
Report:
{"hour": 7, "minute": 21}
